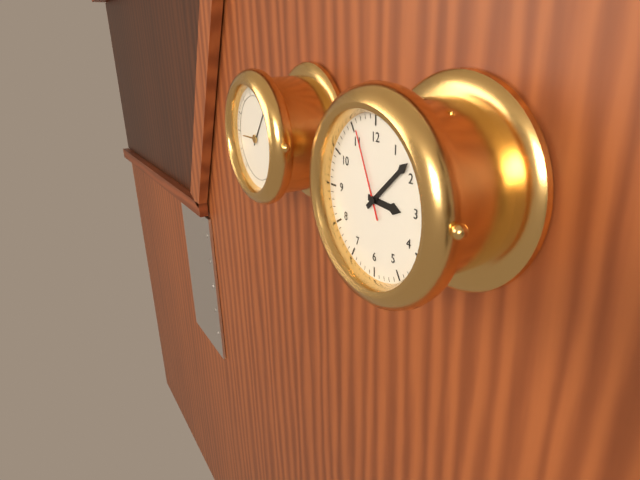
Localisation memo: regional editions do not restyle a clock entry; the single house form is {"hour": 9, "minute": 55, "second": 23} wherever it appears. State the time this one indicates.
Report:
{"hour": 3, "minute": 8, "second": 56}
